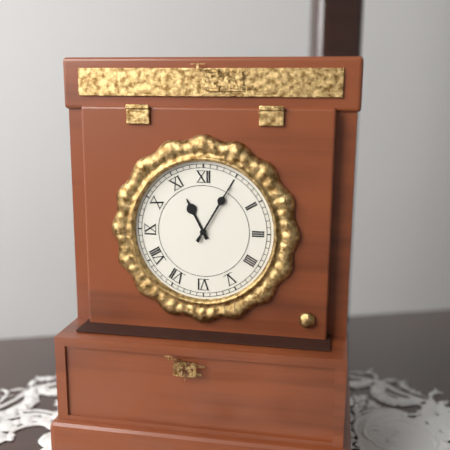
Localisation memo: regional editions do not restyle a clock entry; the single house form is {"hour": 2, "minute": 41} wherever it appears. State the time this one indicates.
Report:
{"hour": 11, "minute": 5}
